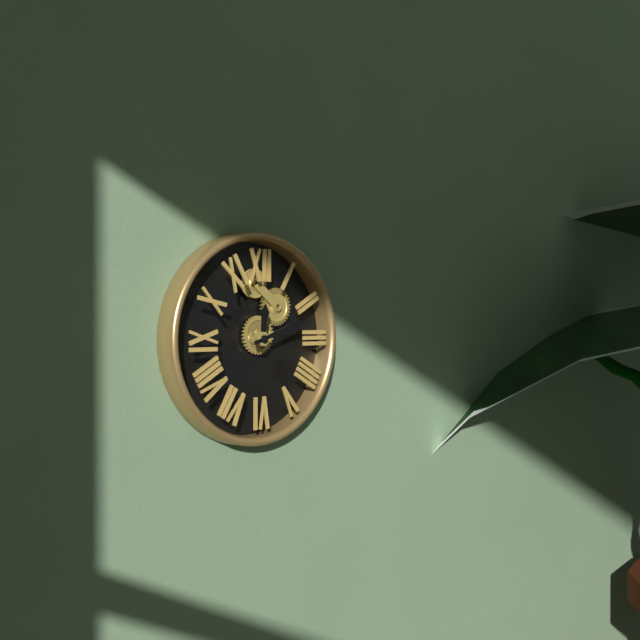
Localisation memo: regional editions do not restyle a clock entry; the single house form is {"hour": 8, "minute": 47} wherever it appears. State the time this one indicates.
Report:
{"hour": 12, "minute": 12}
